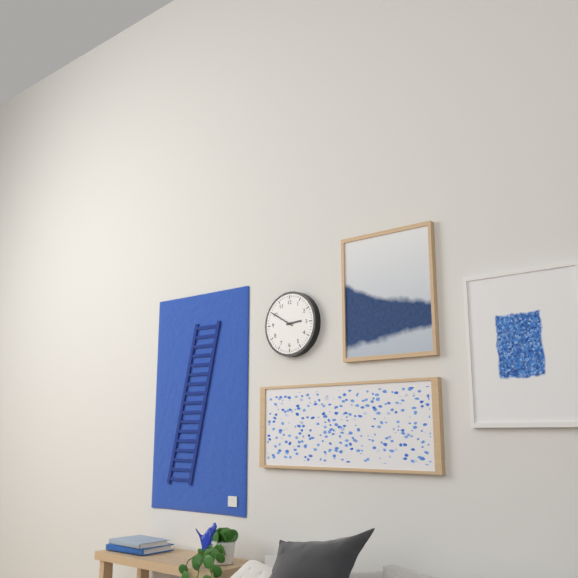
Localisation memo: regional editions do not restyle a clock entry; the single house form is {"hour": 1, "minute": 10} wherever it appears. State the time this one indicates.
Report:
{"hour": 2, "minute": 50}
